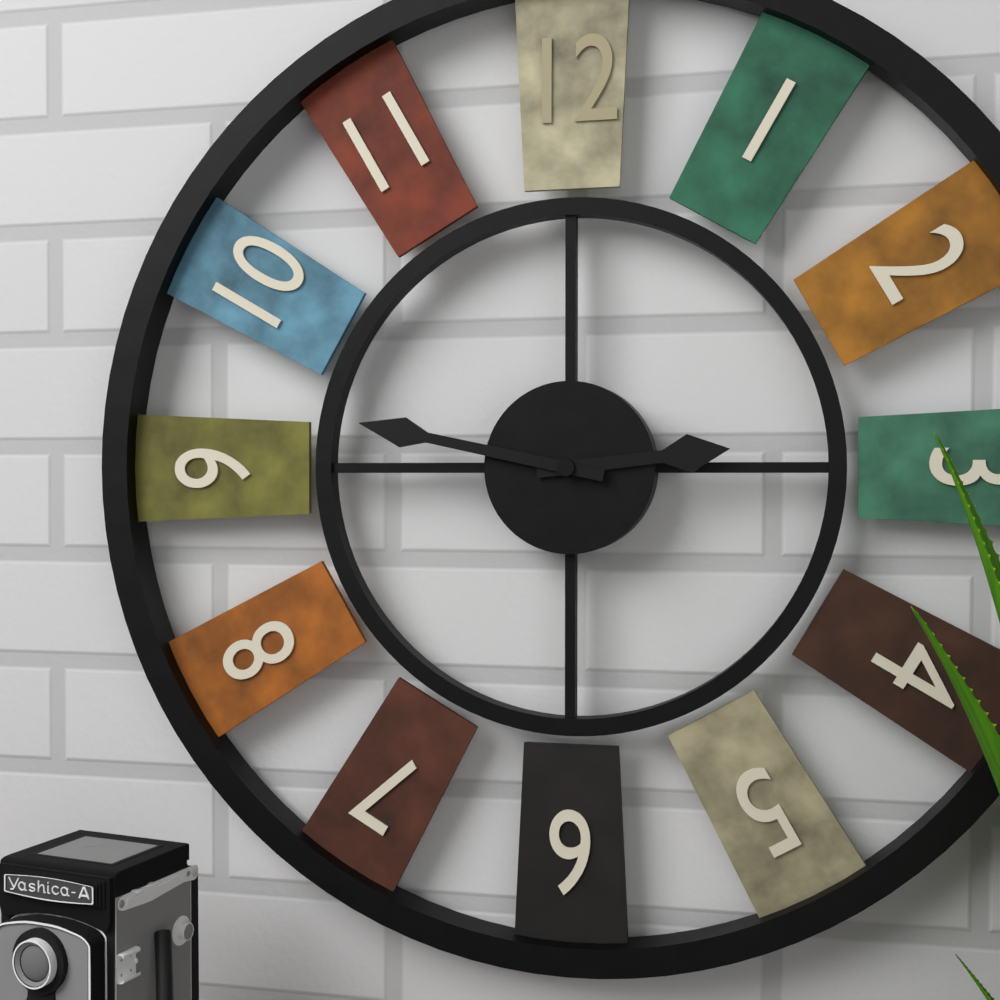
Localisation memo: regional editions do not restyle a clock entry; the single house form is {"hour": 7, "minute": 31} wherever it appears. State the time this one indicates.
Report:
{"hour": 2, "minute": 47}
